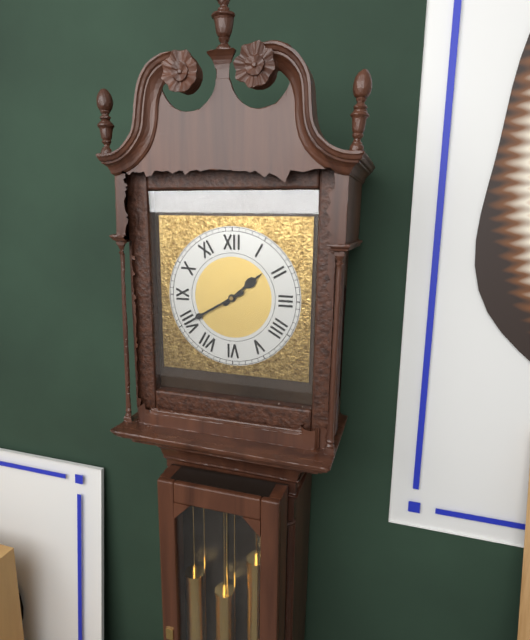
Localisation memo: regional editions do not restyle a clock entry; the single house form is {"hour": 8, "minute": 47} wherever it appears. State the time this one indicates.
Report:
{"hour": 1, "minute": 40}
